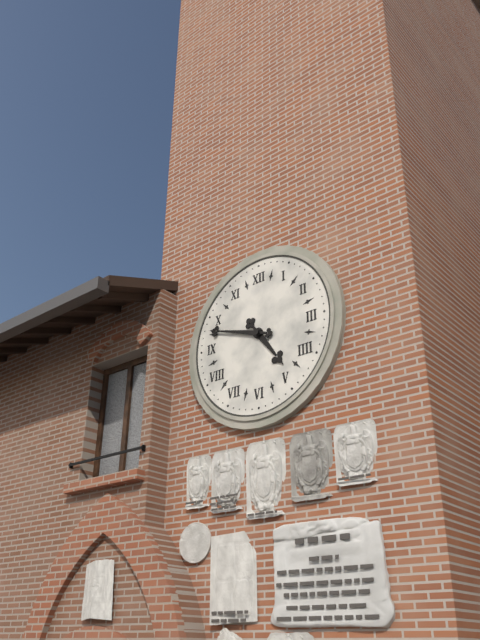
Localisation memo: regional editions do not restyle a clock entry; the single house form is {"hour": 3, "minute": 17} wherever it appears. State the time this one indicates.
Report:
{"hour": 4, "minute": 48}
